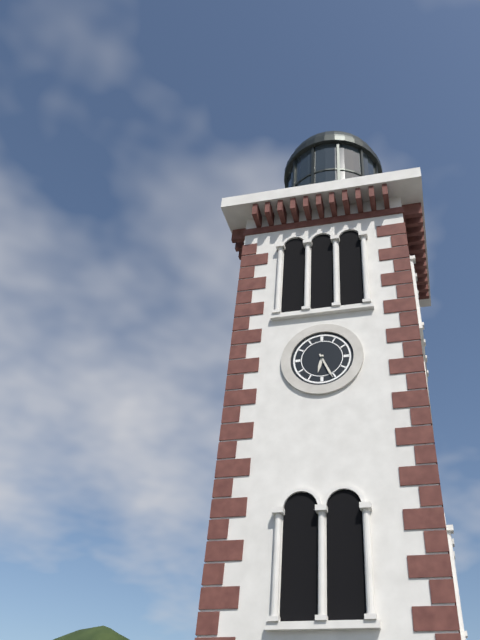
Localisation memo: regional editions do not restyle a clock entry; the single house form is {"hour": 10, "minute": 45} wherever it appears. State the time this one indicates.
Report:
{"hour": 6, "minute": 26}
